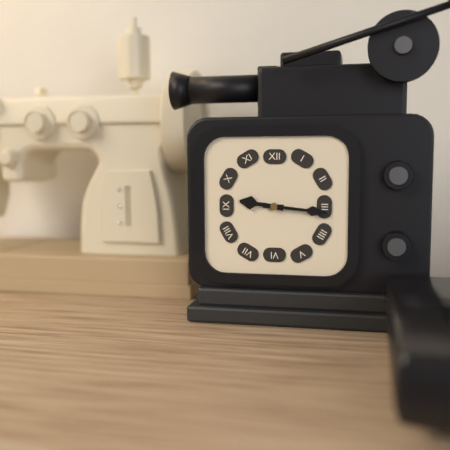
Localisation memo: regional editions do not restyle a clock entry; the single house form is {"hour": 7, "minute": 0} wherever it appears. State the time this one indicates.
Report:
{"hour": 9, "minute": 16}
